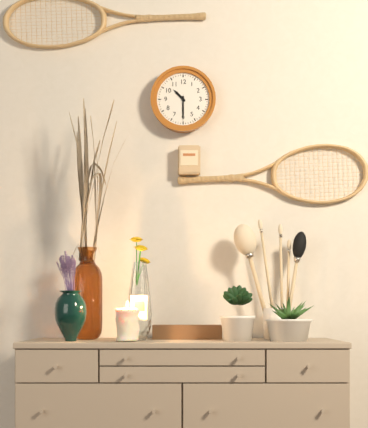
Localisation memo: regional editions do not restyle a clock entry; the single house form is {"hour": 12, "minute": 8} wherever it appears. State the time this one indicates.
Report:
{"hour": 10, "minute": 30}
